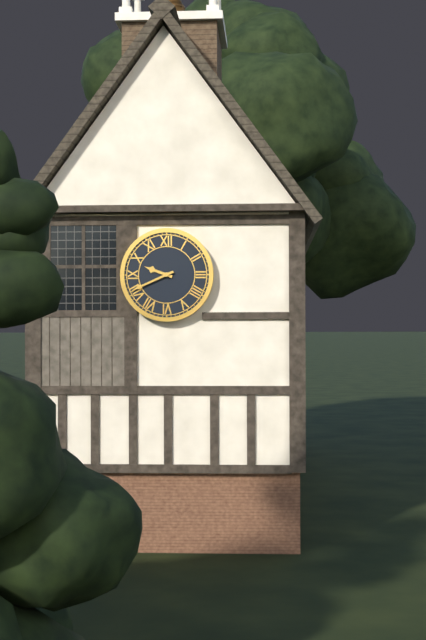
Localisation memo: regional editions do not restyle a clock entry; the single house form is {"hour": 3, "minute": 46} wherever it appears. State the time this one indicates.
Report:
{"hour": 9, "minute": 41}
